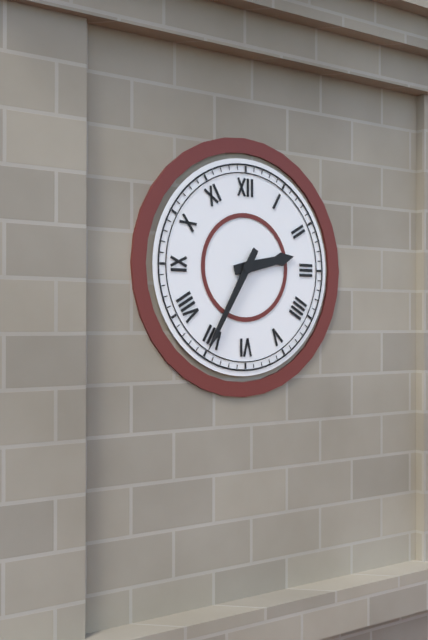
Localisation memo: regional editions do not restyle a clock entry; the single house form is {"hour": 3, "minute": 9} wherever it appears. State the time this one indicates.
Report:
{"hour": 2, "minute": 35}
